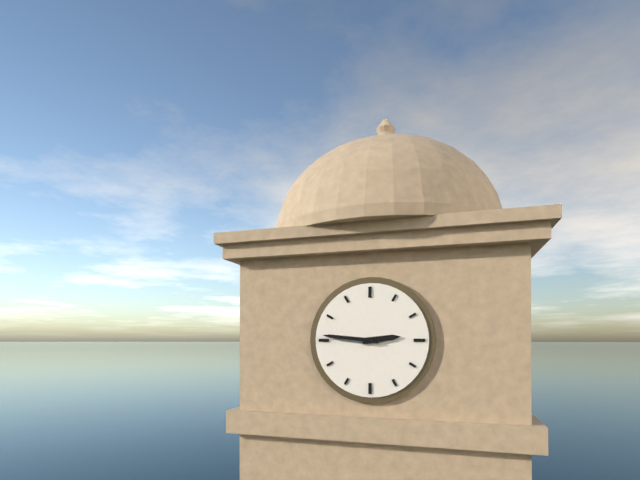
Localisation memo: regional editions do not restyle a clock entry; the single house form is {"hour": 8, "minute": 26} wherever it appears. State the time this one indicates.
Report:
{"hour": 2, "minute": 46}
